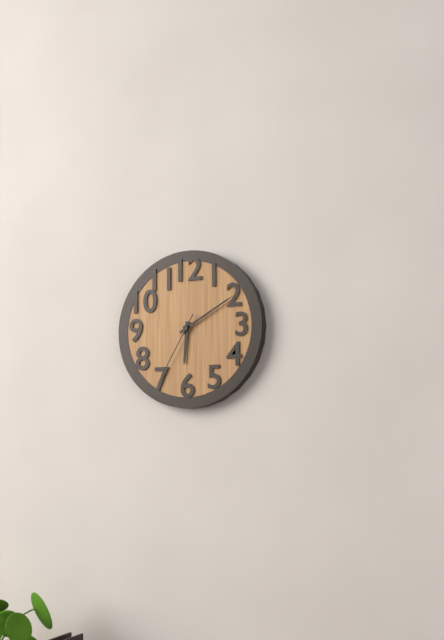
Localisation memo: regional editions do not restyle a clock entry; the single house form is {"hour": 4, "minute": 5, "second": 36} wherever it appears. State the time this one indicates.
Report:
{"hour": 6, "minute": 10, "second": 35}
